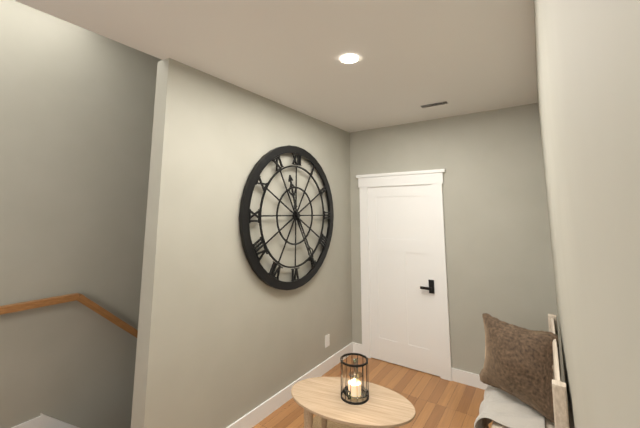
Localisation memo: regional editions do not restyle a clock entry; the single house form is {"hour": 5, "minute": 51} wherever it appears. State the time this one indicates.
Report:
{"hour": 11, "minute": 25}
